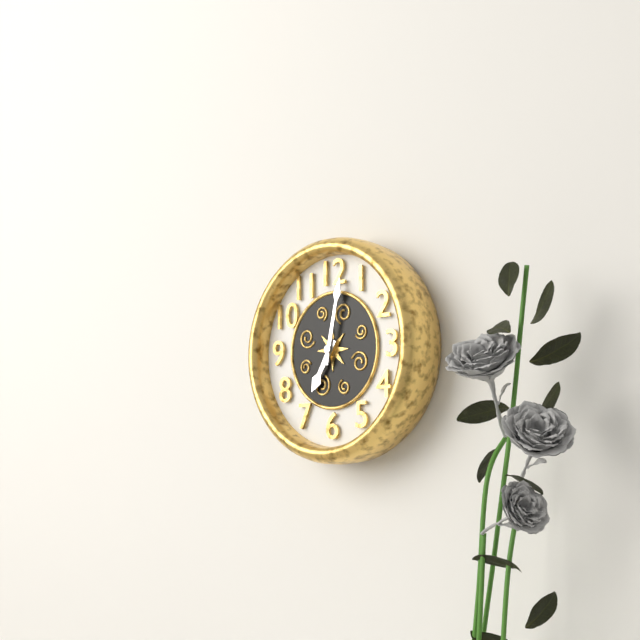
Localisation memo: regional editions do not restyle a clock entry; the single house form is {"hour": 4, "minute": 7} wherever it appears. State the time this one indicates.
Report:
{"hour": 7, "minute": 2}
